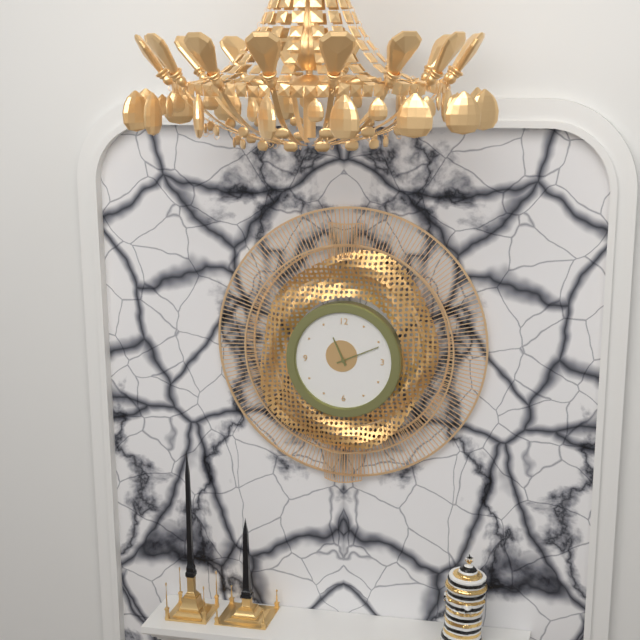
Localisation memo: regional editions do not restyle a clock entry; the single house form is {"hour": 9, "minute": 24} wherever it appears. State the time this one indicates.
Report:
{"hour": 11, "minute": 11}
